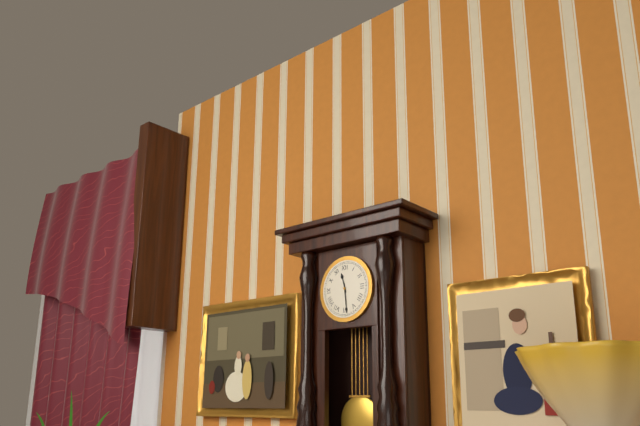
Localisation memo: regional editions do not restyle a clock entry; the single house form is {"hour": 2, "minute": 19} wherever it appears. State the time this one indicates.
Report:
{"hour": 11, "minute": 29}
